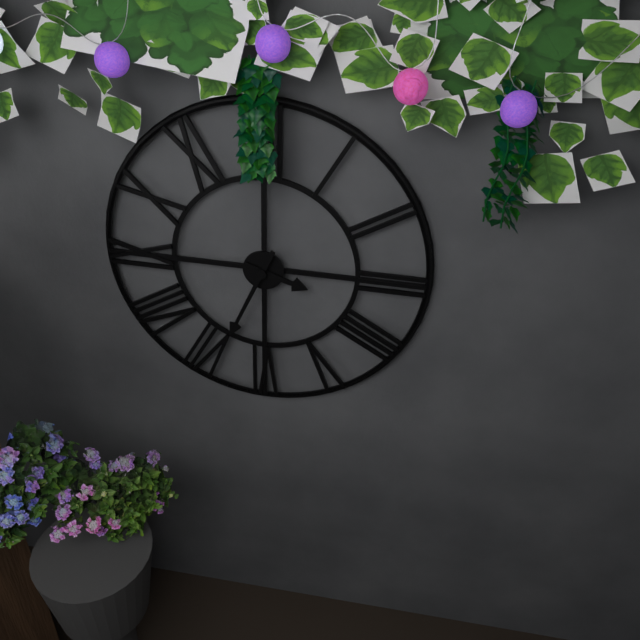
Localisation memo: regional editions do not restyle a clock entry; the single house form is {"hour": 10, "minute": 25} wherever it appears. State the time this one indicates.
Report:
{"hour": 3, "minute": 34}
